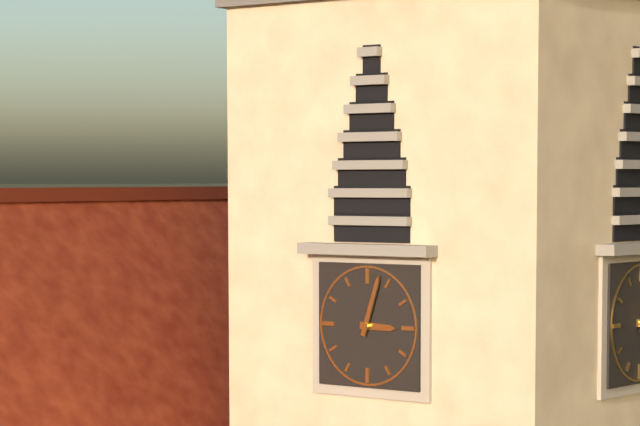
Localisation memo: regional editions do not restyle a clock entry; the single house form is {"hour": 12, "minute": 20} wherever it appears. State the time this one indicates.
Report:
{"hour": 3, "minute": 3}
